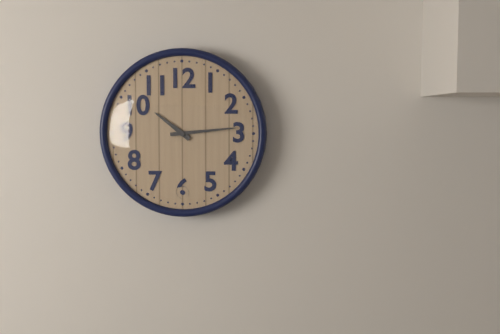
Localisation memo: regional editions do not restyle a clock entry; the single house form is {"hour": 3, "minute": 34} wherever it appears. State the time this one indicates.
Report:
{"hour": 10, "minute": 14}
